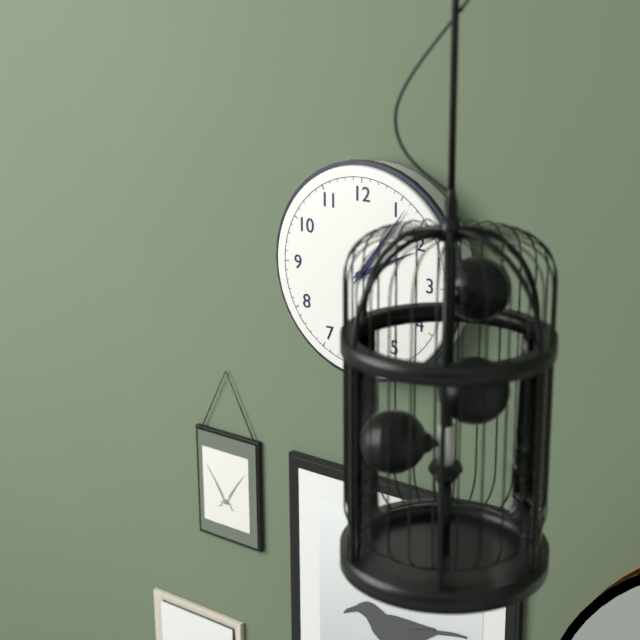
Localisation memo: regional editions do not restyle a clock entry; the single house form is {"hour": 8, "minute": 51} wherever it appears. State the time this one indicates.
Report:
{"hour": 2, "minute": 6}
